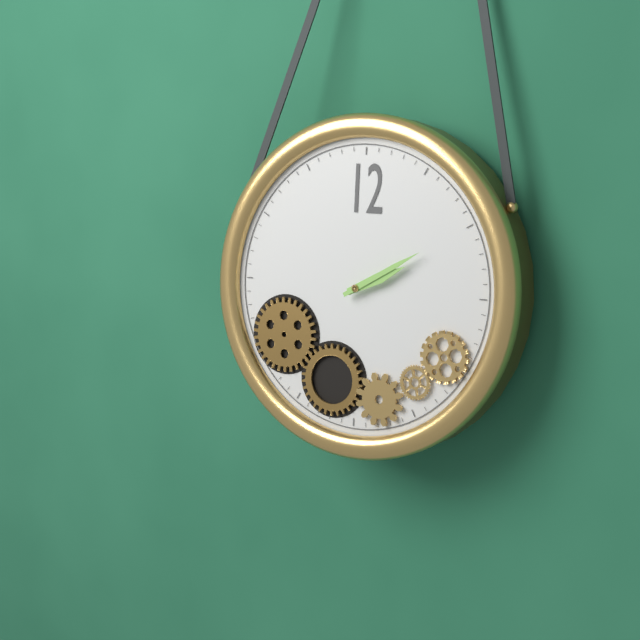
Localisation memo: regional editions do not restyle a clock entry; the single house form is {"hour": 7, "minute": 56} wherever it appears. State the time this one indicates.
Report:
{"hour": 2, "minute": 10}
